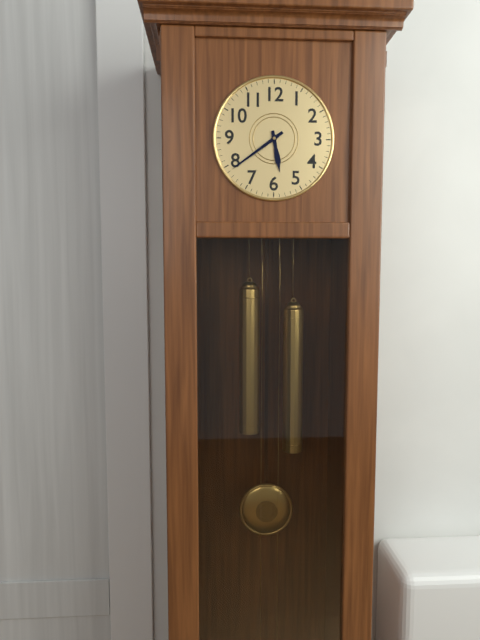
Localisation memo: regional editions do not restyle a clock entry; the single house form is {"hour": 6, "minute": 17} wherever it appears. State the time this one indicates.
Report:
{"hour": 5, "minute": 39}
